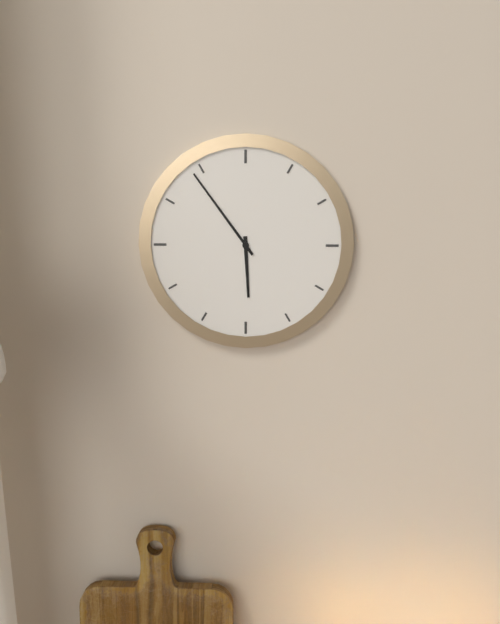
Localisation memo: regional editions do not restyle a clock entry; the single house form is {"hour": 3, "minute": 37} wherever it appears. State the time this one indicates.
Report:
{"hour": 5, "minute": 54}
